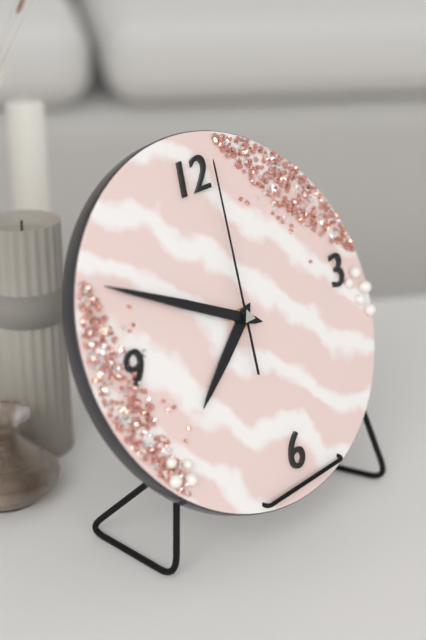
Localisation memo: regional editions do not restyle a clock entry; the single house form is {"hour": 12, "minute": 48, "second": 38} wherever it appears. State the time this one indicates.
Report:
{"hour": 7, "minute": 50, "second": 2}
